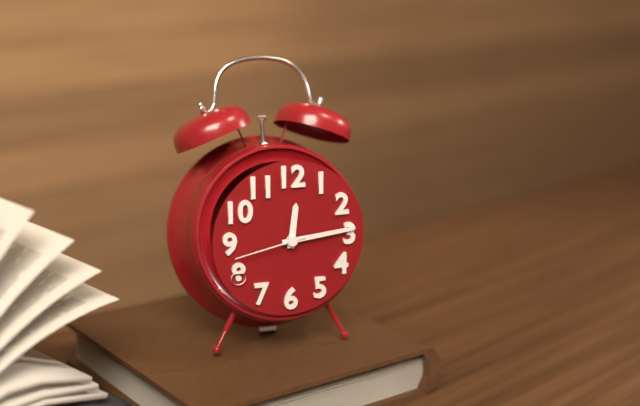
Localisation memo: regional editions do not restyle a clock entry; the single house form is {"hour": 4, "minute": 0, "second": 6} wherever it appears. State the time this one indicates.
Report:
{"hour": 12, "minute": 14, "second": 43}
